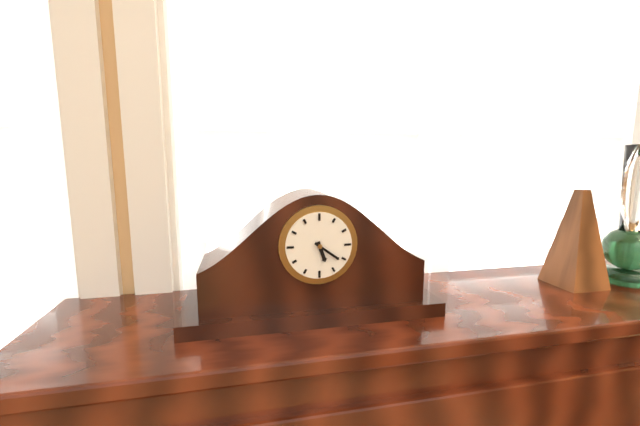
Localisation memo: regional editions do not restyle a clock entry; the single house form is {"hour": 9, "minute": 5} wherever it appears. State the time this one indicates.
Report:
{"hour": 5, "minute": 21}
